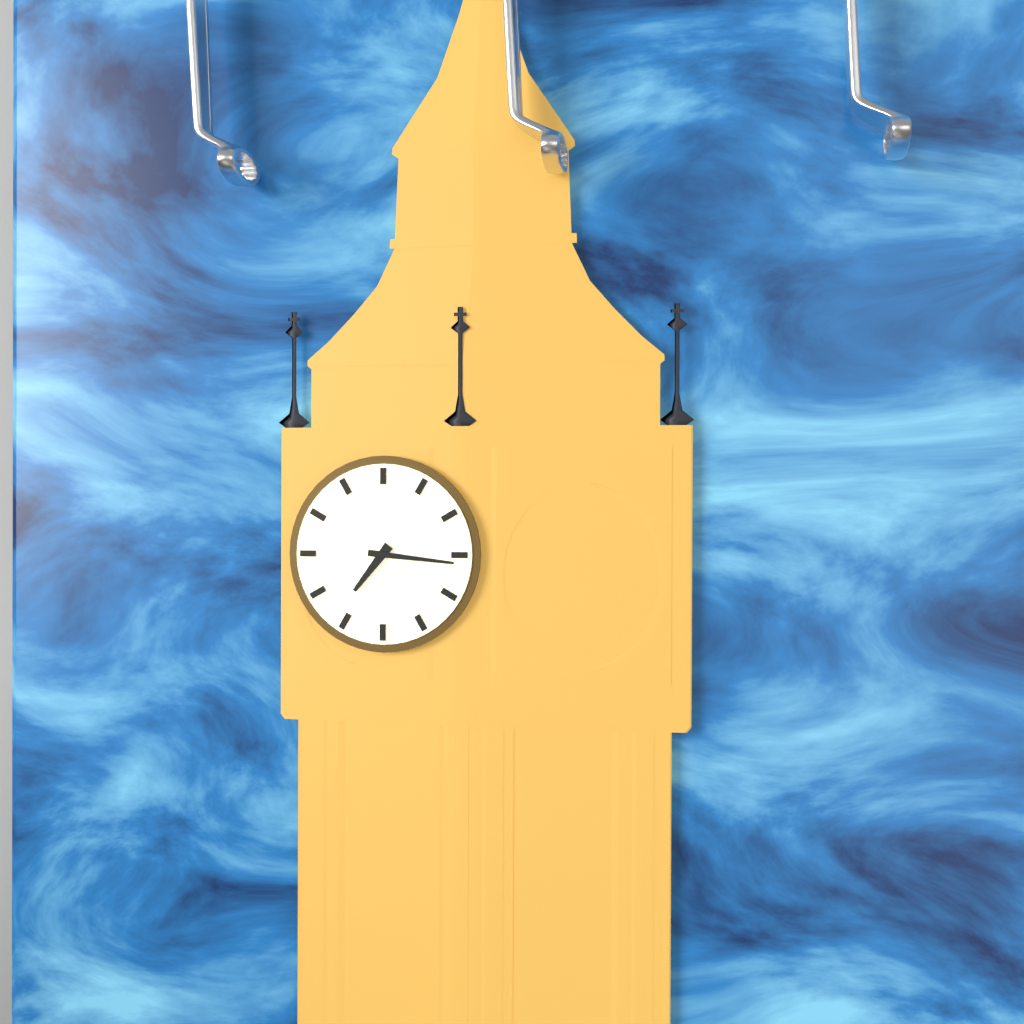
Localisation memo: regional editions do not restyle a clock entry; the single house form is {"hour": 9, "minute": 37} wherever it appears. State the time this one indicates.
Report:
{"hour": 7, "minute": 16}
